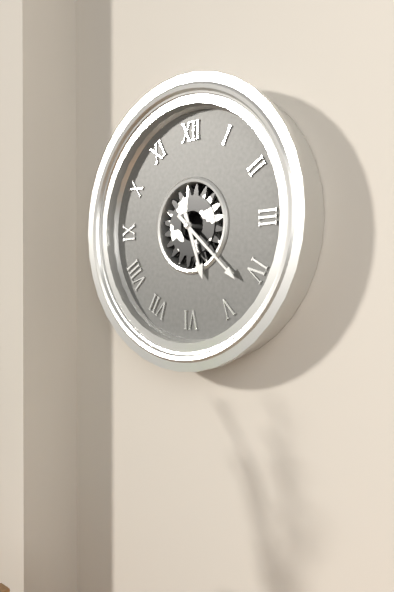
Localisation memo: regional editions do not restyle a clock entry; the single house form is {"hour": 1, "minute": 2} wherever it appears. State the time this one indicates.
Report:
{"hour": 5, "minute": 22}
